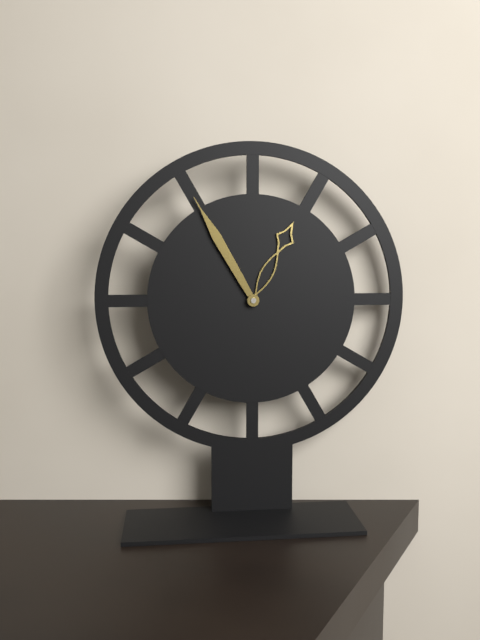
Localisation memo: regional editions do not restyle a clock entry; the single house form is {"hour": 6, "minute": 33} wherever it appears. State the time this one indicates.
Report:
{"hour": 12, "minute": 55}
